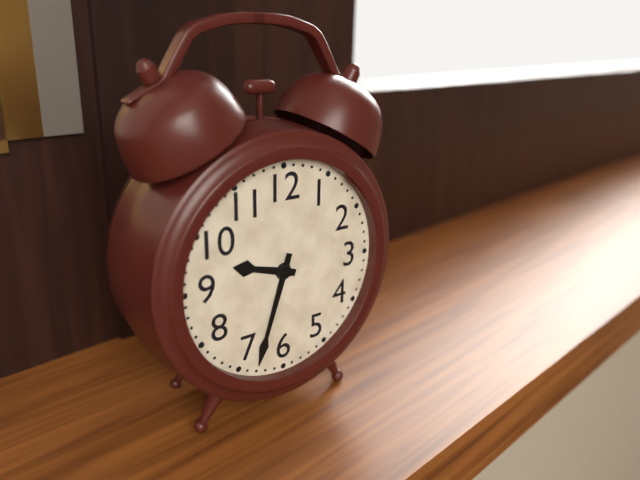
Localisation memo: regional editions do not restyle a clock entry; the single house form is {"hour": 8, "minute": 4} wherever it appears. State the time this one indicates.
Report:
{"hour": 9, "minute": 33}
